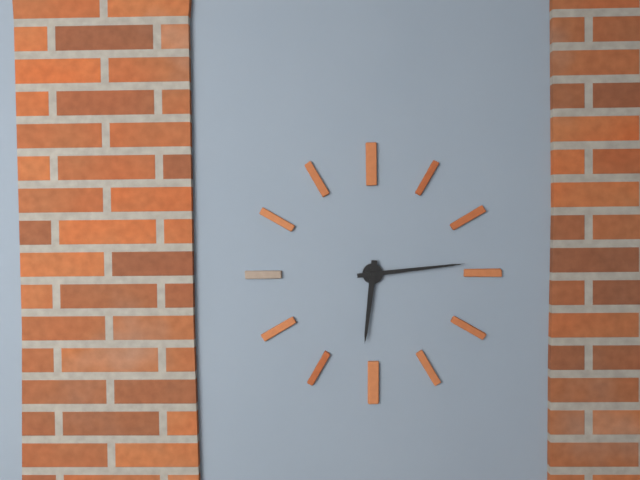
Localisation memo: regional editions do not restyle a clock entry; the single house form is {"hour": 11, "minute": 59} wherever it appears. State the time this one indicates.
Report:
{"hour": 6, "minute": 14}
